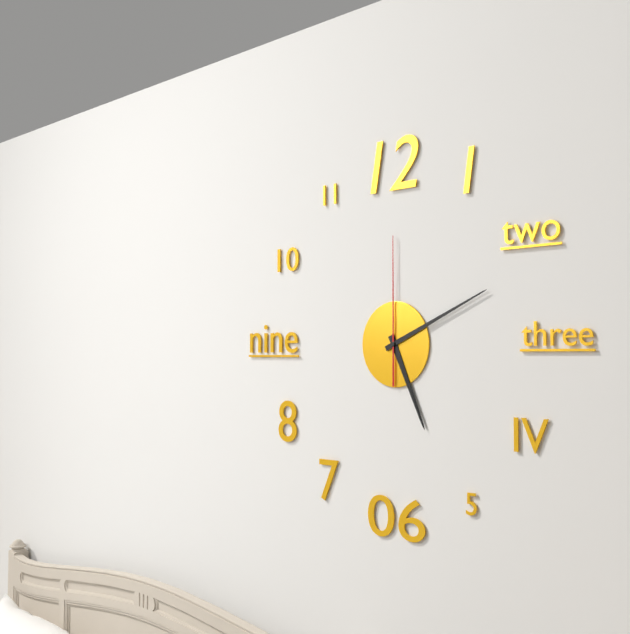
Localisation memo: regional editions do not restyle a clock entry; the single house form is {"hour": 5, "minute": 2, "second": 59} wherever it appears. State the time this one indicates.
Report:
{"hour": 5, "minute": 11, "second": 0}
